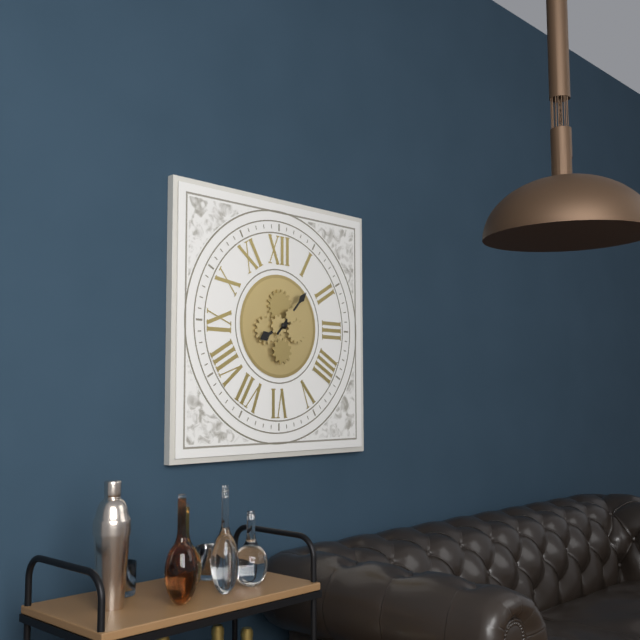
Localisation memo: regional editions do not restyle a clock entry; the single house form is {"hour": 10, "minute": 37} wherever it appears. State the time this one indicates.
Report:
{"hour": 8, "minute": 7}
